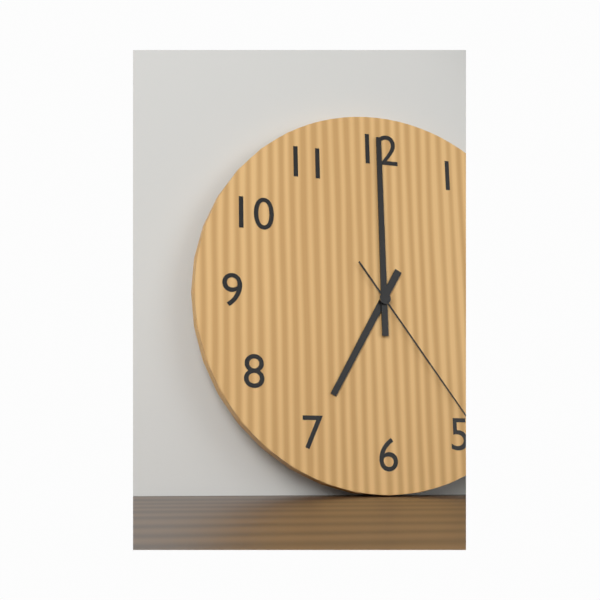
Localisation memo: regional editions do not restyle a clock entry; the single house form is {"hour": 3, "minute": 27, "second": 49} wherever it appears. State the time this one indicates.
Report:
{"hour": 7, "minute": 0, "second": 24}
